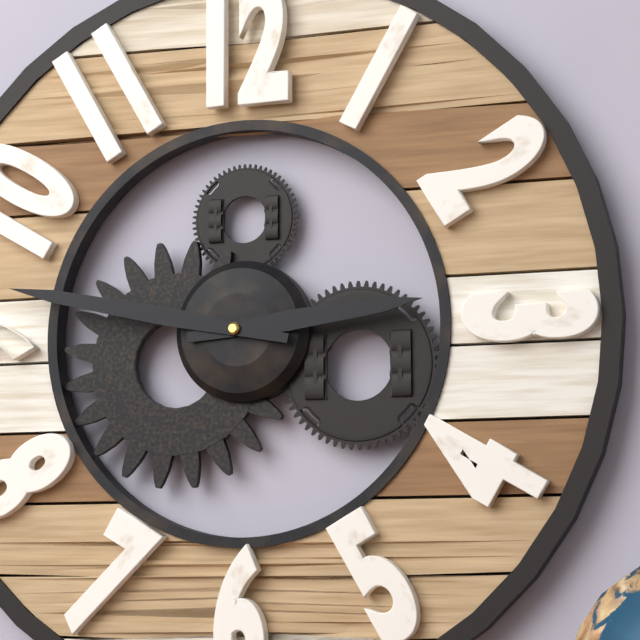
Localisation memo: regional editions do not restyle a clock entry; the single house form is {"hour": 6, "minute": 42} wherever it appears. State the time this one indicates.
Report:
{"hour": 2, "minute": 47}
